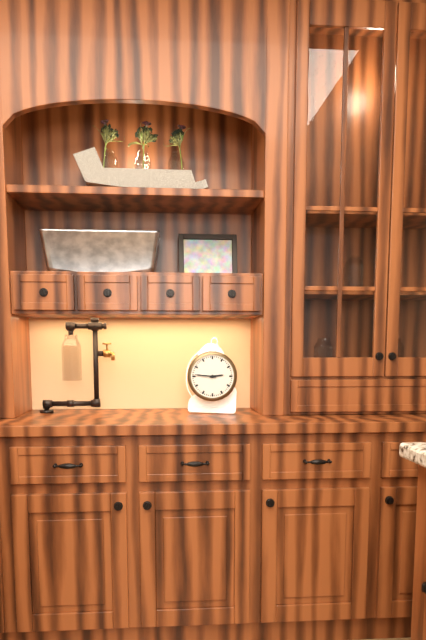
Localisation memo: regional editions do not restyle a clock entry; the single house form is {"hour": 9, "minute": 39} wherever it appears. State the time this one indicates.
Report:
{"hour": 2, "minute": 46}
